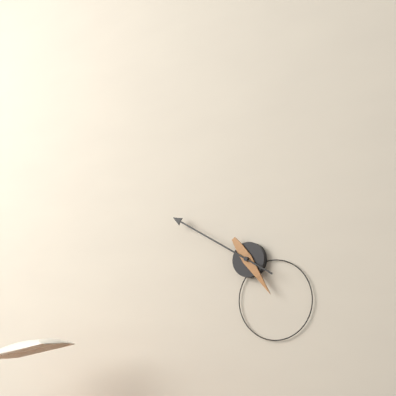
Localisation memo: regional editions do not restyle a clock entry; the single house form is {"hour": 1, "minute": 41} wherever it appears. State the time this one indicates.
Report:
{"hour": 4, "minute": 50}
